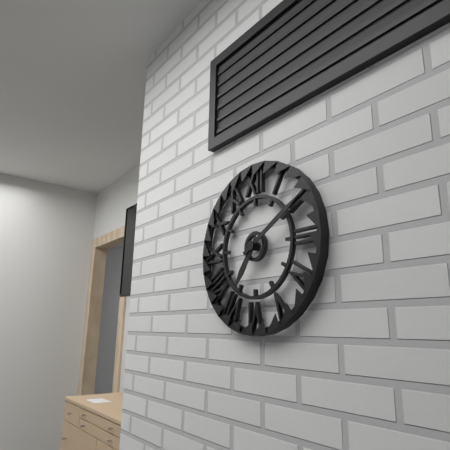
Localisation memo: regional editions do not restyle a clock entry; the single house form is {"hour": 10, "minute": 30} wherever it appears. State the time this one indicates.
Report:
{"hour": 7, "minute": 10}
